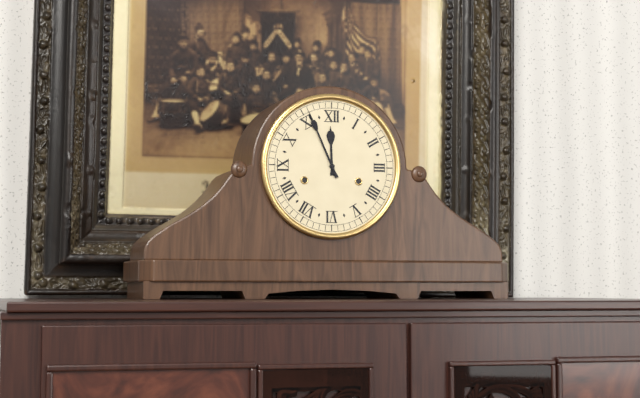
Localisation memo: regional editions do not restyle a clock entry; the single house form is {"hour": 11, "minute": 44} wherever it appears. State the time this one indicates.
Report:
{"hour": 11, "minute": 56}
